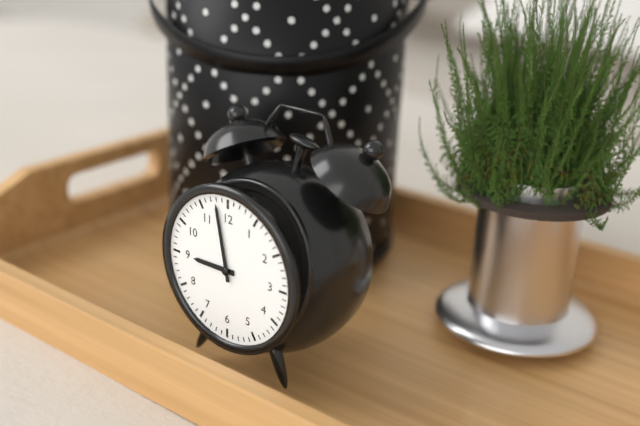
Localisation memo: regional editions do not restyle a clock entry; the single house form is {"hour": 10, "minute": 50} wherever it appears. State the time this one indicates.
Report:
{"hour": 8, "minute": 58}
